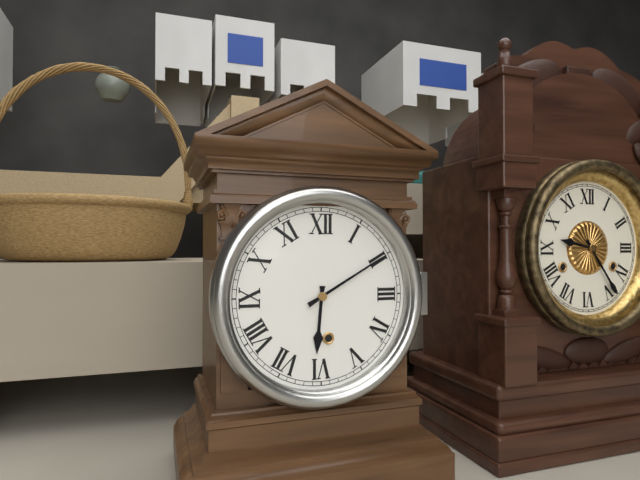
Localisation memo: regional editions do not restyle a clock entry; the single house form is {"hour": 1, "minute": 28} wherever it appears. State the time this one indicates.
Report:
{"hour": 6, "minute": 10}
